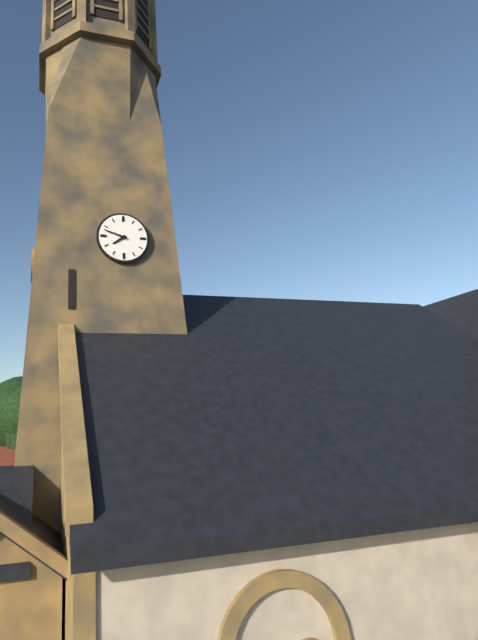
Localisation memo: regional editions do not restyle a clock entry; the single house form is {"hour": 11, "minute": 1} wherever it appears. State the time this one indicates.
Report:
{"hour": 7, "minute": 48}
